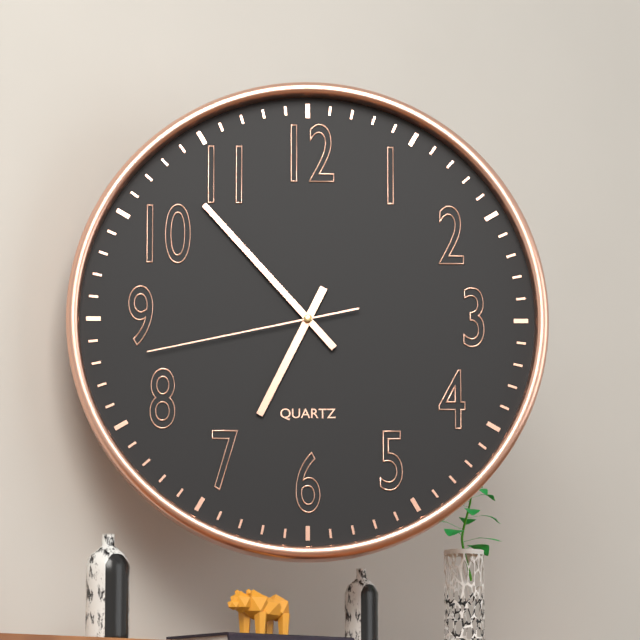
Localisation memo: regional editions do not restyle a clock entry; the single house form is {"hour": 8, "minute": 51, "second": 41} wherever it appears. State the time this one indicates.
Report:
{"hour": 6, "minute": 53, "second": 43}
